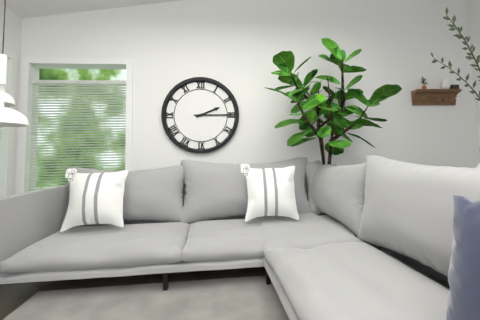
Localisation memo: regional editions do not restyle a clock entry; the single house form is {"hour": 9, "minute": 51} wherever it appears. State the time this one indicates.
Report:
{"hour": 2, "minute": 15}
